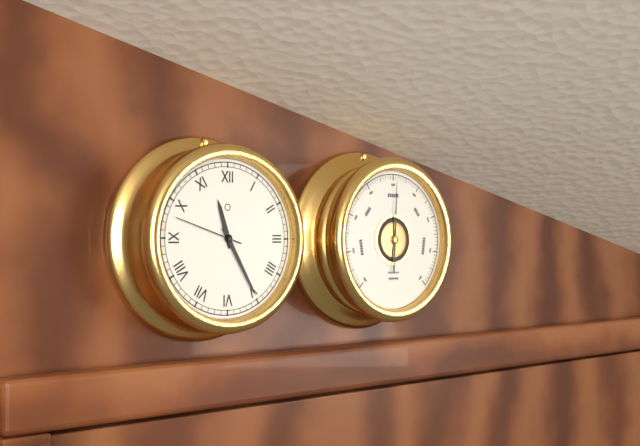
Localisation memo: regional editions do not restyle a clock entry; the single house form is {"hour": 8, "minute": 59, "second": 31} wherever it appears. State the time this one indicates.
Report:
{"hour": 11, "minute": 25, "second": 48}
